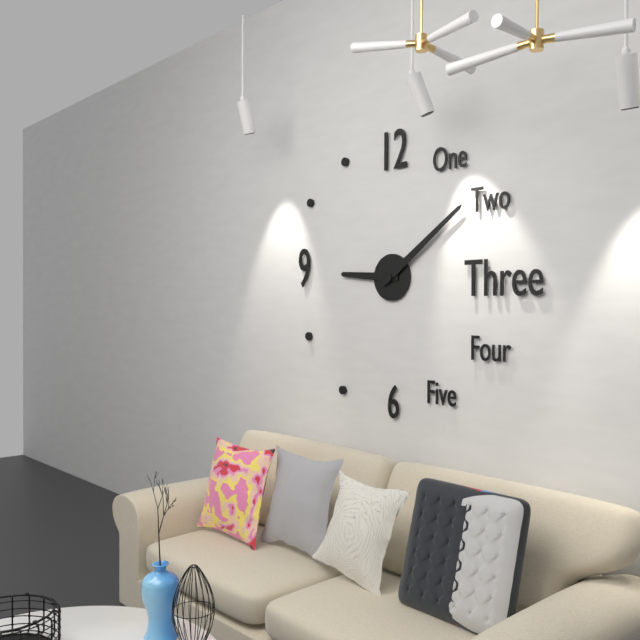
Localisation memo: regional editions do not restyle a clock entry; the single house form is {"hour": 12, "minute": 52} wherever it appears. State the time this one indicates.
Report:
{"hour": 9, "minute": 9}
